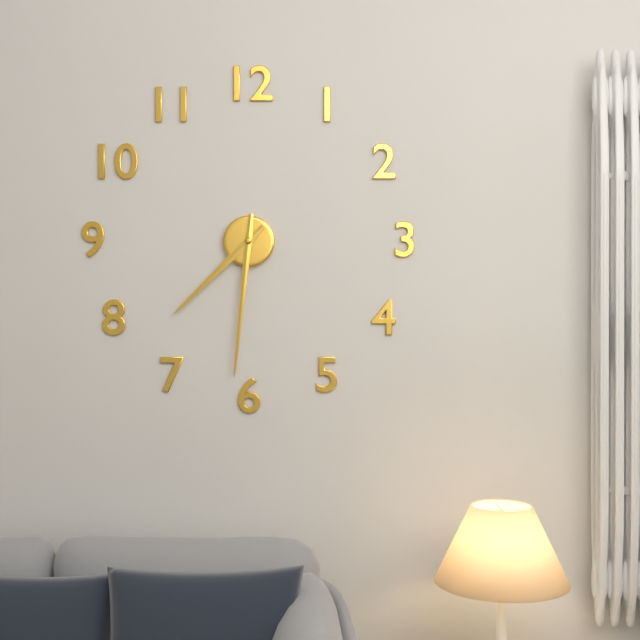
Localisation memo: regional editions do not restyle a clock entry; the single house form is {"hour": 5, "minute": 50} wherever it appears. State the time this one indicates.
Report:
{"hour": 7, "minute": 31}
